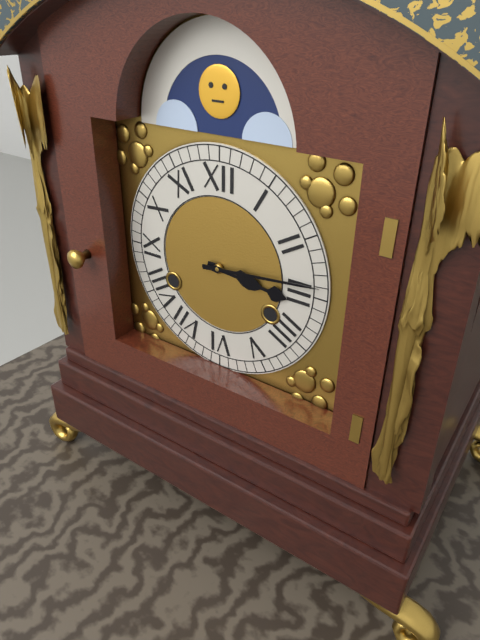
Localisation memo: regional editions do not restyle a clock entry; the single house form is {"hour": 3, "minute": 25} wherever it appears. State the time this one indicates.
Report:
{"hour": 3, "minute": 14}
